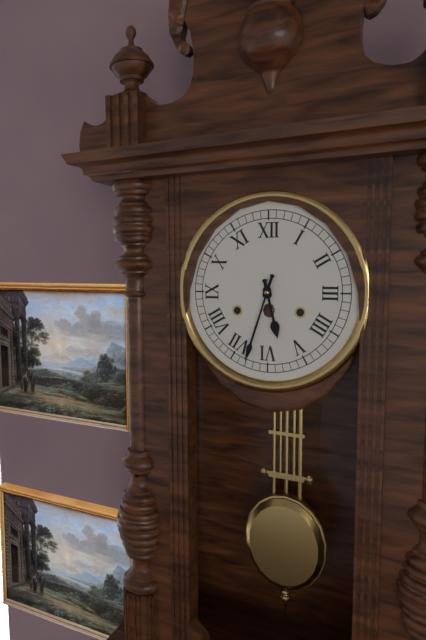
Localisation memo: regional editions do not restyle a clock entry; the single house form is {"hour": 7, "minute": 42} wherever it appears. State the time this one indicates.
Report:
{"hour": 5, "minute": 33}
